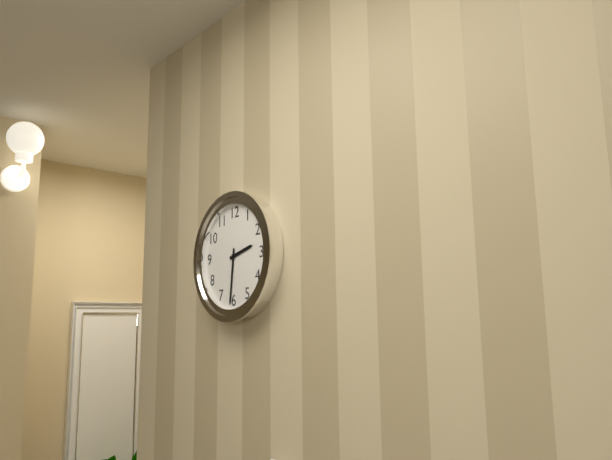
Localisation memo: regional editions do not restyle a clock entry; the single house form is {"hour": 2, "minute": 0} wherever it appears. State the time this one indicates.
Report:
{"hour": 2, "minute": 31}
